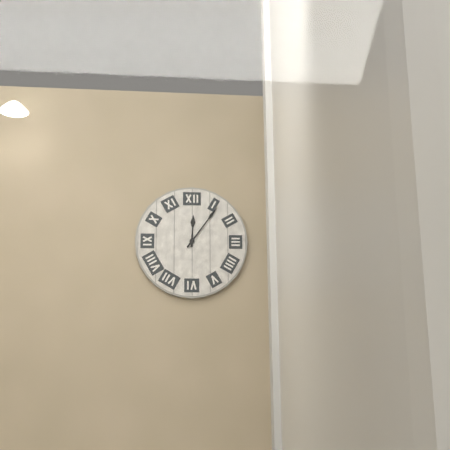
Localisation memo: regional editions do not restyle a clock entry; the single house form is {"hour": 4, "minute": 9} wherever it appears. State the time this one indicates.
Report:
{"hour": 12, "minute": 6}
